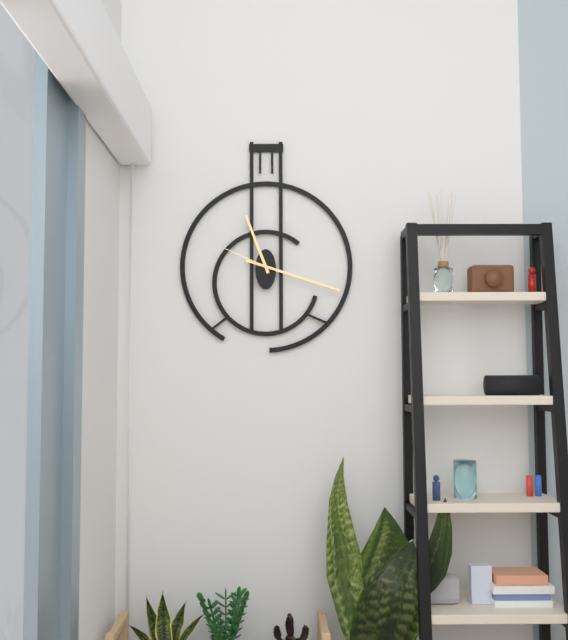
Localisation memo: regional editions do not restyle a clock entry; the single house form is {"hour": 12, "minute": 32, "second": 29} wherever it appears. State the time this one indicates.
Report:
{"hour": 11, "minute": 18, "second": 49}
